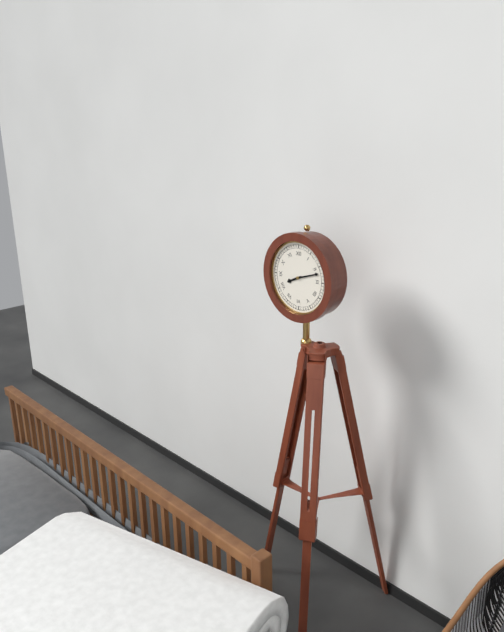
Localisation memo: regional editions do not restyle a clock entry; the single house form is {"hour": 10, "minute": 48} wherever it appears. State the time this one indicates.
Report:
{"hour": 8, "minute": 12}
